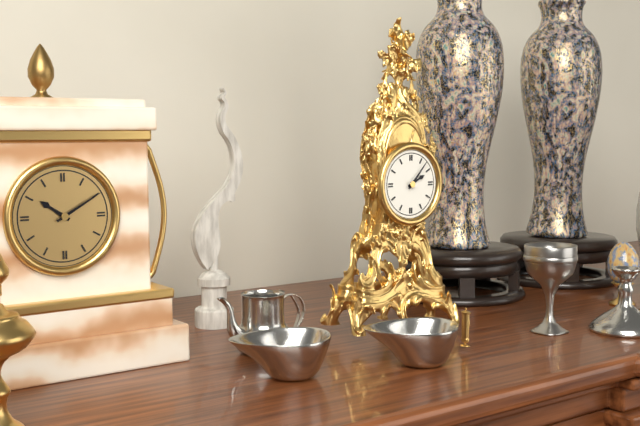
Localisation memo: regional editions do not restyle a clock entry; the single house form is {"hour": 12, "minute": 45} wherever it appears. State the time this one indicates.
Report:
{"hour": 2, "minute": 7}
